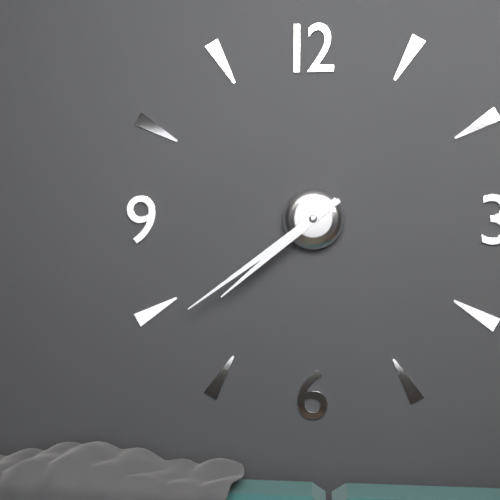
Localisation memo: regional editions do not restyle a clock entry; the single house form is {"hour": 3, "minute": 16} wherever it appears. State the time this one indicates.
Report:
{"hour": 7, "minute": 39}
